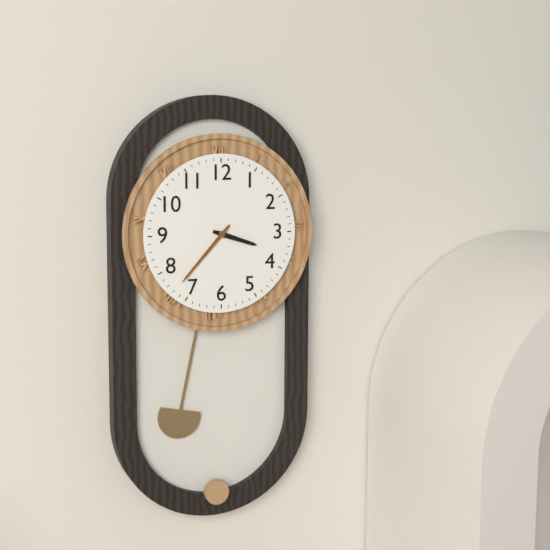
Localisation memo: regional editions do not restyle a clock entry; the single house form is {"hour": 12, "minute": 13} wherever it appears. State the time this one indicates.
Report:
{"hour": 3, "minute": 37}
